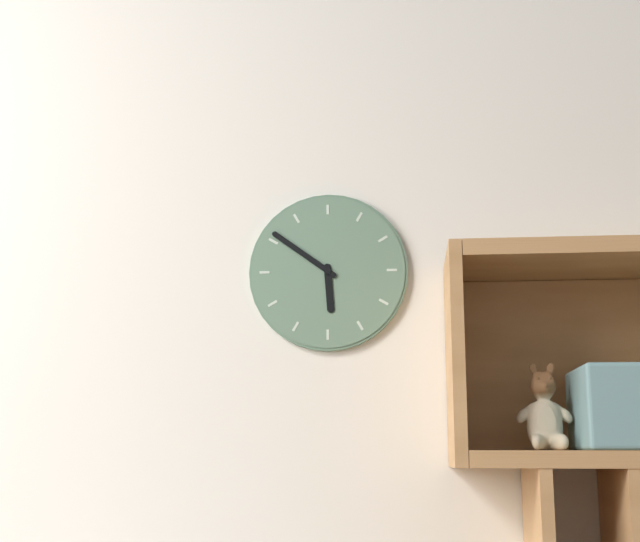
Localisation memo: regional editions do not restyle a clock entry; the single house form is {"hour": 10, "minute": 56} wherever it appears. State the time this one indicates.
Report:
{"hour": 5, "minute": 51}
